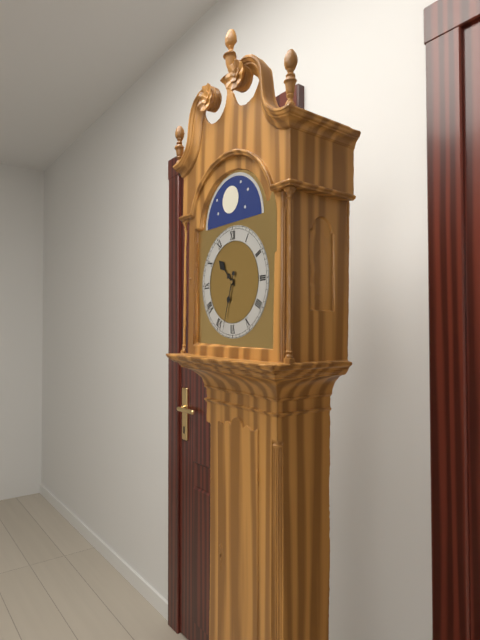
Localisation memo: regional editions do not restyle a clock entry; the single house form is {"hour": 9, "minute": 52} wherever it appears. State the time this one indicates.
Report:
{"hour": 10, "minute": 33}
